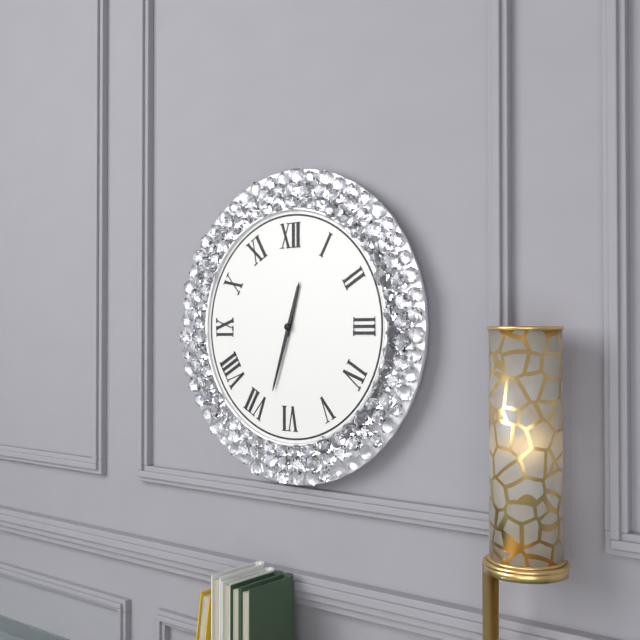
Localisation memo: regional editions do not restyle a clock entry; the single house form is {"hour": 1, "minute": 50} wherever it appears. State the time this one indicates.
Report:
{"hour": 12, "minute": 33}
